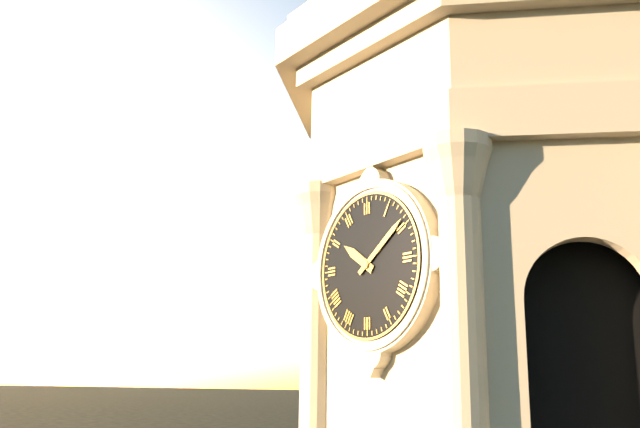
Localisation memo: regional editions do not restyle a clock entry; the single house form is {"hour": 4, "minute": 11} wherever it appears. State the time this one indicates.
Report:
{"hour": 10, "minute": 9}
